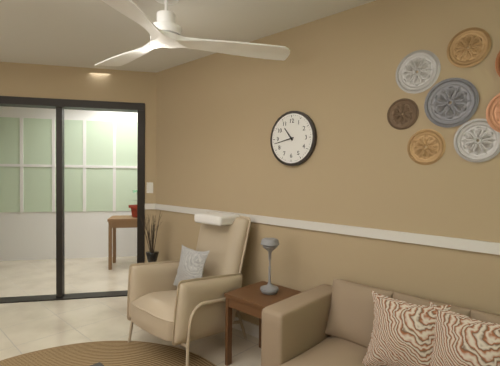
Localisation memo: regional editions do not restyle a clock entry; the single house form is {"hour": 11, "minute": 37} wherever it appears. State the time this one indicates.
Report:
{"hour": 10, "minute": 43}
